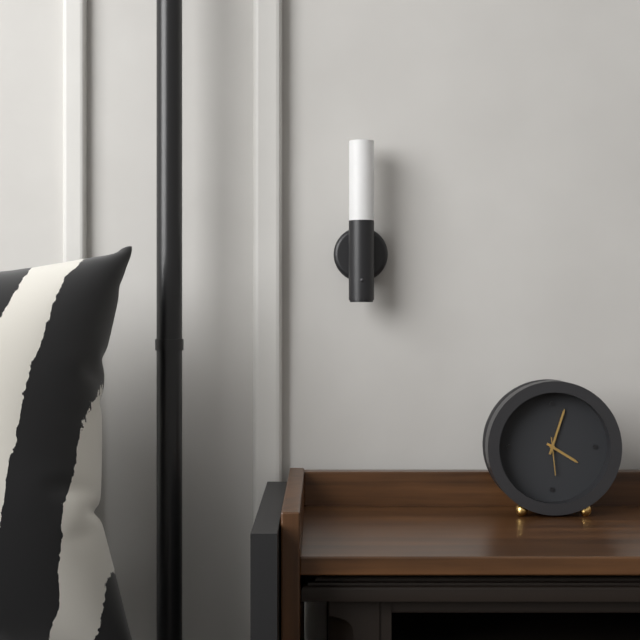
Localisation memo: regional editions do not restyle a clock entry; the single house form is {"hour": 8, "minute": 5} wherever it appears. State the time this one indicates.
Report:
{"hour": 4, "minute": 3}
